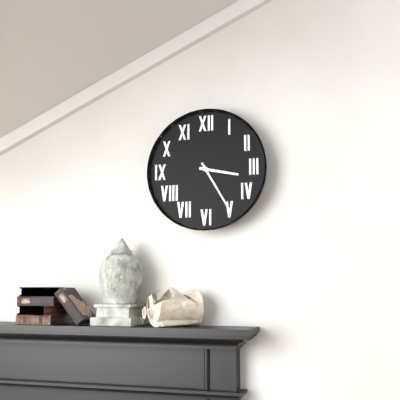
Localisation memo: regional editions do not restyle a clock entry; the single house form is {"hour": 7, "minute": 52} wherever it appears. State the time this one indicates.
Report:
{"hour": 3, "minute": 25}
